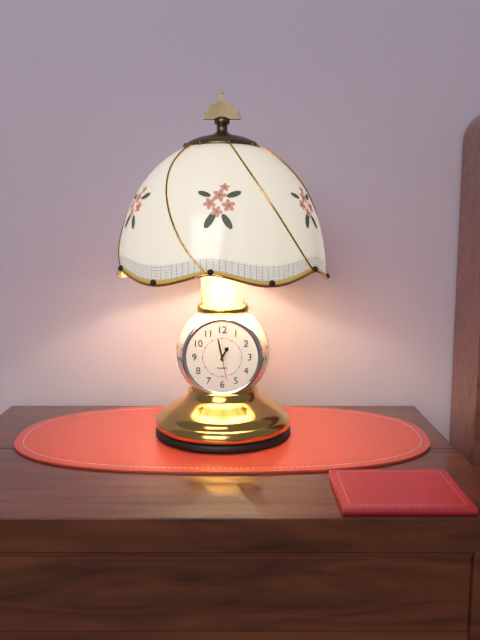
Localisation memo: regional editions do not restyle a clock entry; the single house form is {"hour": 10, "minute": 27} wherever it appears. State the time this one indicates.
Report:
{"hour": 12, "minute": 58}
